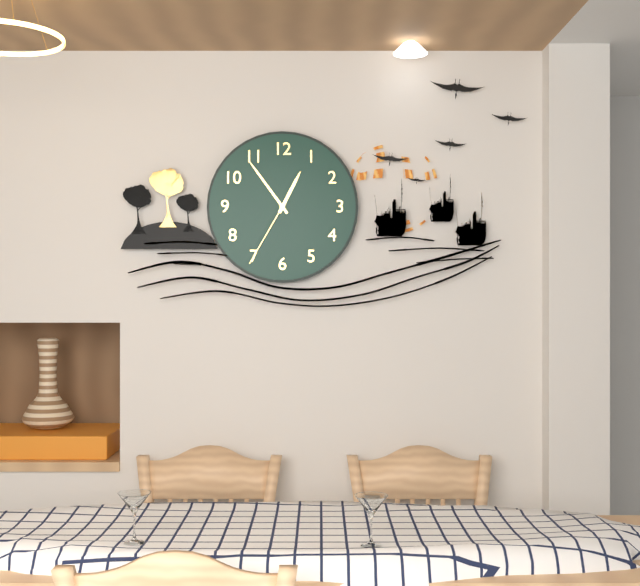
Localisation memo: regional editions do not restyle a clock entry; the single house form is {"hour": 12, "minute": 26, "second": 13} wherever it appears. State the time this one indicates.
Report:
{"hour": 12, "minute": 54, "second": 35}
